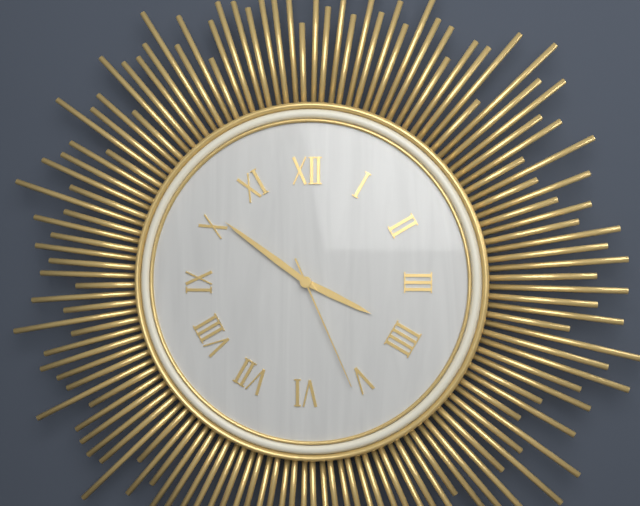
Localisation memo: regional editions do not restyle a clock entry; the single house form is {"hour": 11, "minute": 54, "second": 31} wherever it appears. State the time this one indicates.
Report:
{"hour": 3, "minute": 51, "second": 26}
